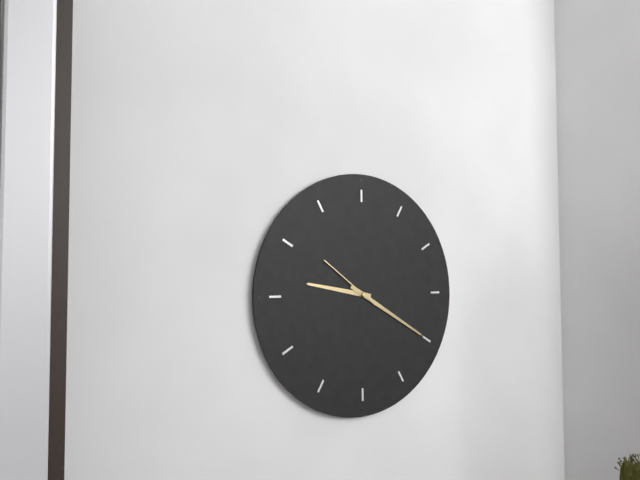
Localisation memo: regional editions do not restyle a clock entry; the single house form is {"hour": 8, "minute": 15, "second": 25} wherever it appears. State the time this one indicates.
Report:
{"hour": 9, "minute": 20, "second": 51}
